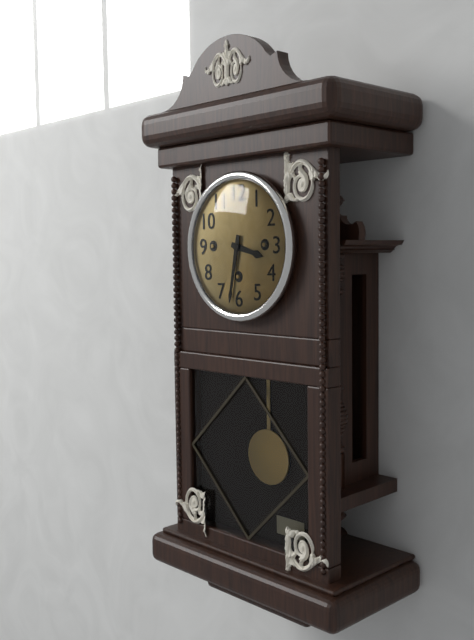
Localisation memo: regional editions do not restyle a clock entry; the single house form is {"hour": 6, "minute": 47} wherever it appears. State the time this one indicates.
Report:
{"hour": 3, "minute": 32}
